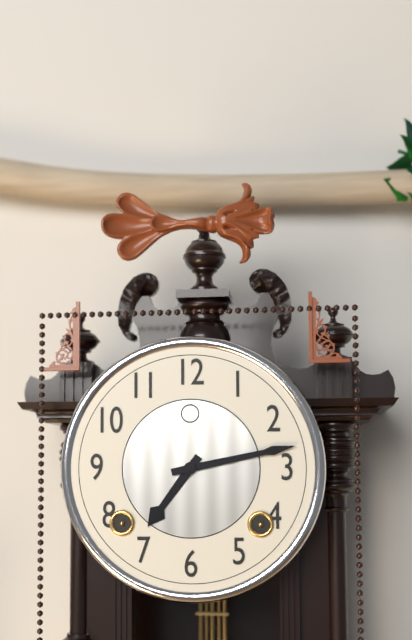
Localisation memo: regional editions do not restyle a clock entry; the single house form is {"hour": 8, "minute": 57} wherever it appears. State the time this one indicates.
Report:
{"hour": 7, "minute": 13}
